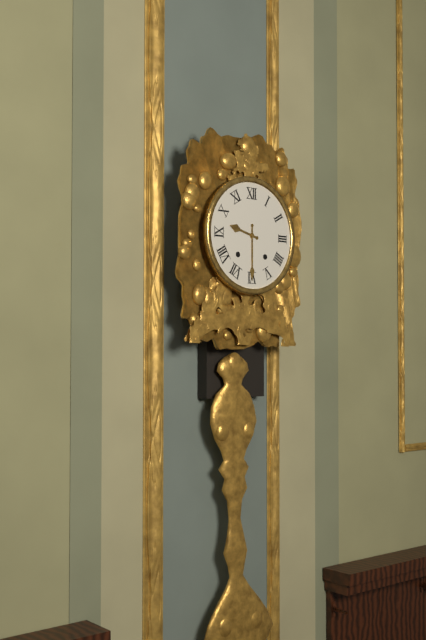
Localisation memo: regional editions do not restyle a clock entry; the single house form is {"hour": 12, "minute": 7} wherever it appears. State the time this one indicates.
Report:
{"hour": 9, "minute": 30}
